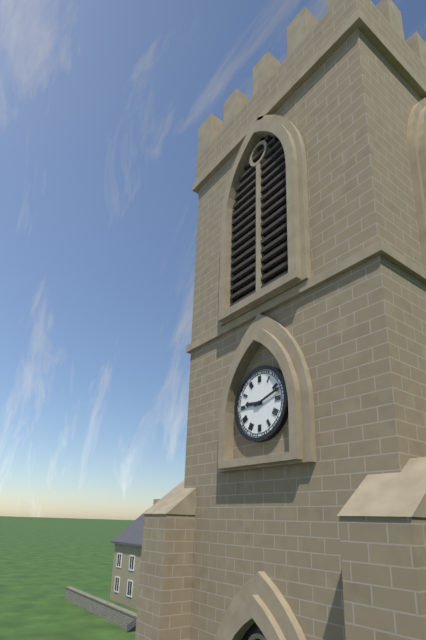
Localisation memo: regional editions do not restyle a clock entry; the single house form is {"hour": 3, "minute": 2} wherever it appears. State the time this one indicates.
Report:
{"hour": 9, "minute": 12}
